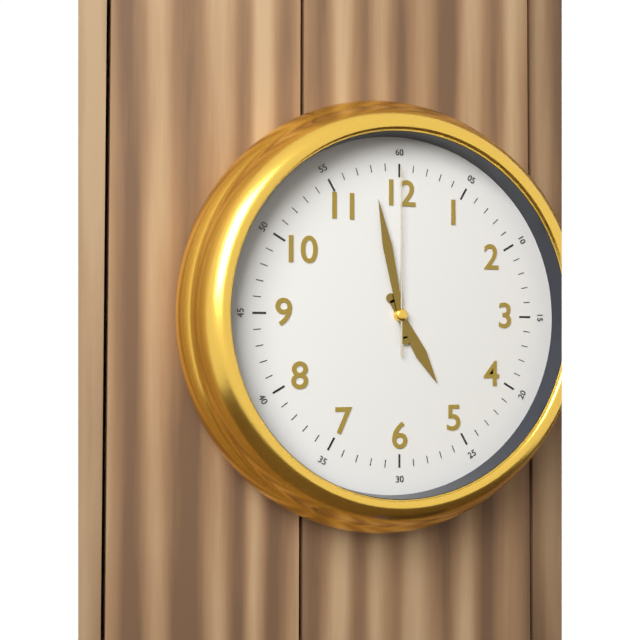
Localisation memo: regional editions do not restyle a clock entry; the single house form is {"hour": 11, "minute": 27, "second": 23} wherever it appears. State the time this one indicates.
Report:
{"hour": 4, "minute": 58, "second": 0}
